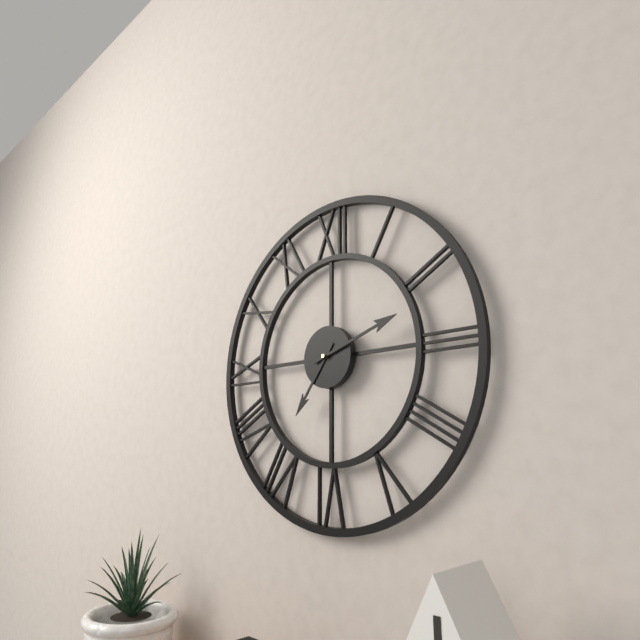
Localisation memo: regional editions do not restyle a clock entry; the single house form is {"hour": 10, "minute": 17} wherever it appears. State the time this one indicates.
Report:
{"hour": 7, "minute": 12}
